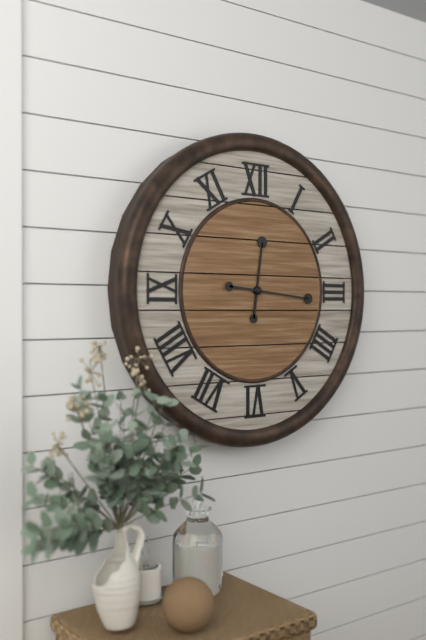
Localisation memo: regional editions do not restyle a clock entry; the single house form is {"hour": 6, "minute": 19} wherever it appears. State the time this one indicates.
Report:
{"hour": 12, "minute": 16}
